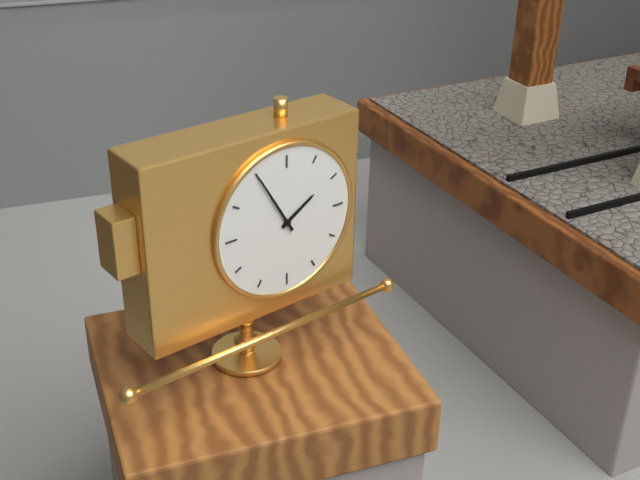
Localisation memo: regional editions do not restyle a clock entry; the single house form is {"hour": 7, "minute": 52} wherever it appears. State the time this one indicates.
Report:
{"hour": 1, "minute": 55}
